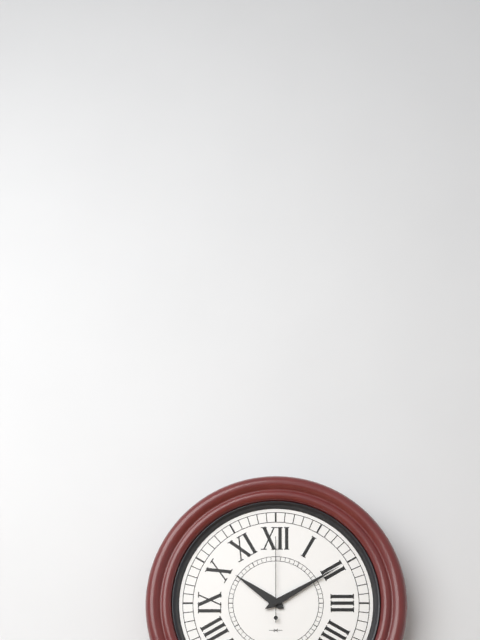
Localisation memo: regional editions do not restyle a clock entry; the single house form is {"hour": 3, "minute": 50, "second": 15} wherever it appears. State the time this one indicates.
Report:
{"hour": 10, "minute": 10, "second": 0}
